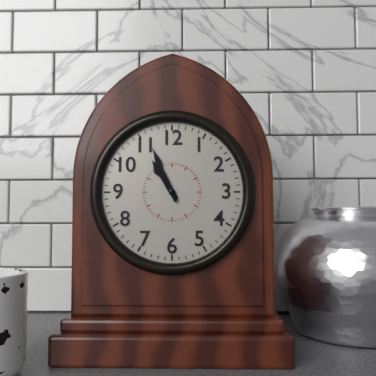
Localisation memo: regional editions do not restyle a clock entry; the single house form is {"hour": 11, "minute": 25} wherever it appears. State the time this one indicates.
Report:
{"hour": 10, "minute": 56}
